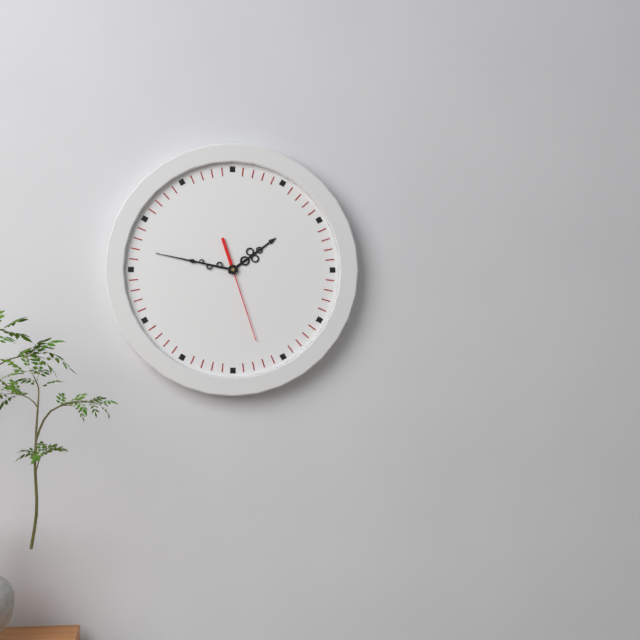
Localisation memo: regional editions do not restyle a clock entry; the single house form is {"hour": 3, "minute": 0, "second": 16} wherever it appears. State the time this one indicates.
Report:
{"hour": 1, "minute": 47, "second": 27}
